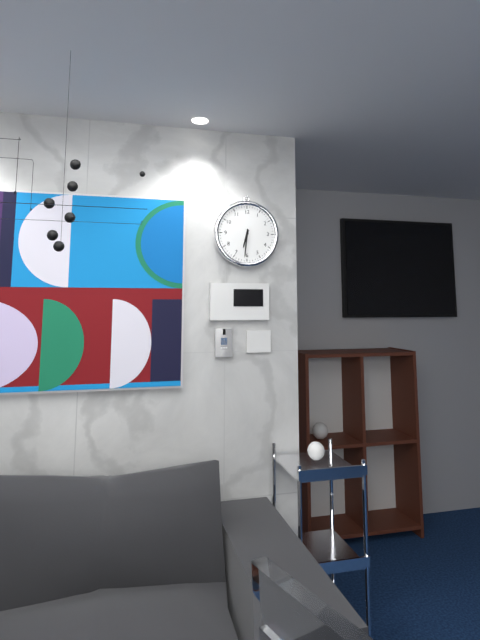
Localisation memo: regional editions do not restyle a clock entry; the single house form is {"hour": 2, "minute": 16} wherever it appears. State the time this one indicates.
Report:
{"hour": 6, "minute": 31}
